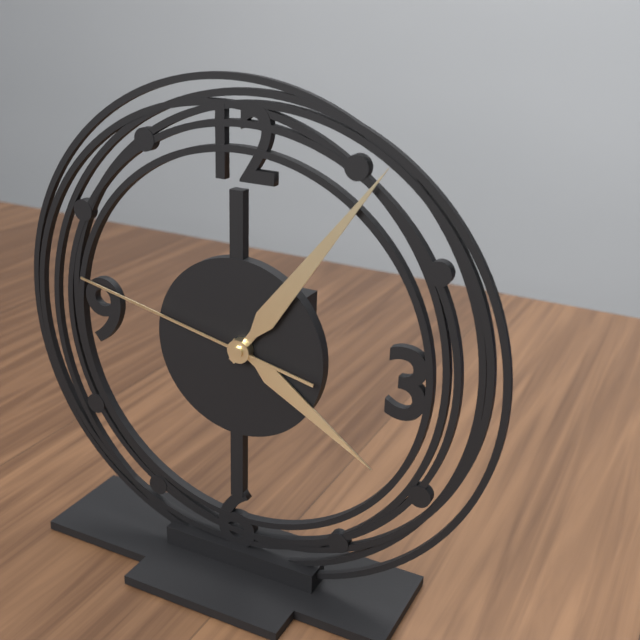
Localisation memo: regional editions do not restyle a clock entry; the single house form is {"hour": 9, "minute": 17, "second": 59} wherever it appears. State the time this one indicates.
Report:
{"hour": 4, "minute": 6, "second": 47}
